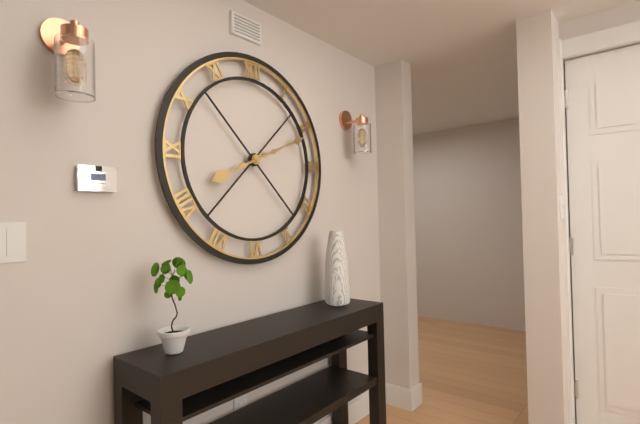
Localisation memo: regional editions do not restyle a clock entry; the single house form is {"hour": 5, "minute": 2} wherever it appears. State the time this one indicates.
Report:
{"hour": 8, "minute": 11}
